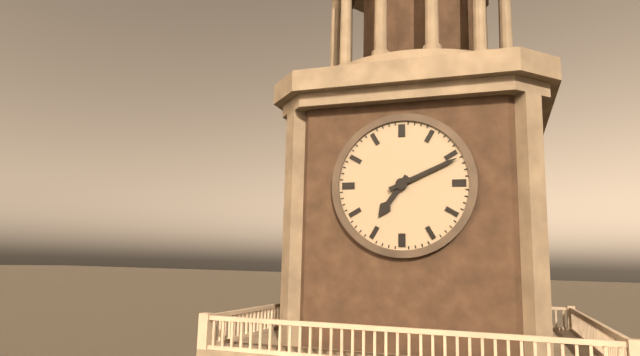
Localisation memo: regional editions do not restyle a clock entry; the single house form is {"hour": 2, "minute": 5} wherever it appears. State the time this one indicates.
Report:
{"hour": 7, "minute": 11}
